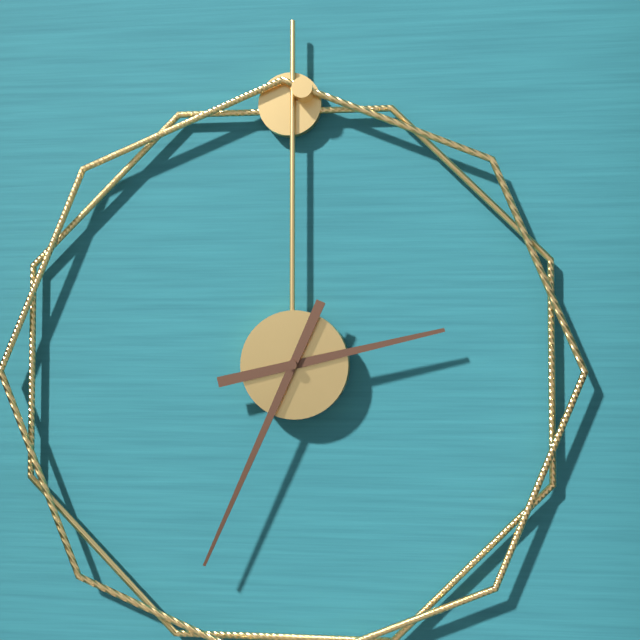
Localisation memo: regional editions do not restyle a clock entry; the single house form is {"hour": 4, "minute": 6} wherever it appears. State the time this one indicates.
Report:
{"hour": 2, "minute": 34}
